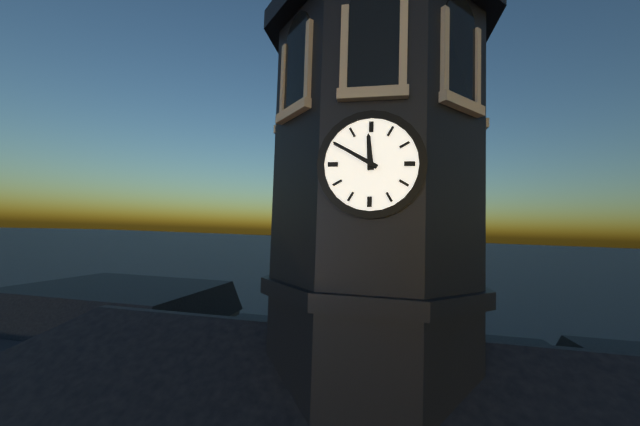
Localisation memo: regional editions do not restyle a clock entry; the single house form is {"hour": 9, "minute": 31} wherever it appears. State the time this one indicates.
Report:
{"hour": 11, "minute": 50}
